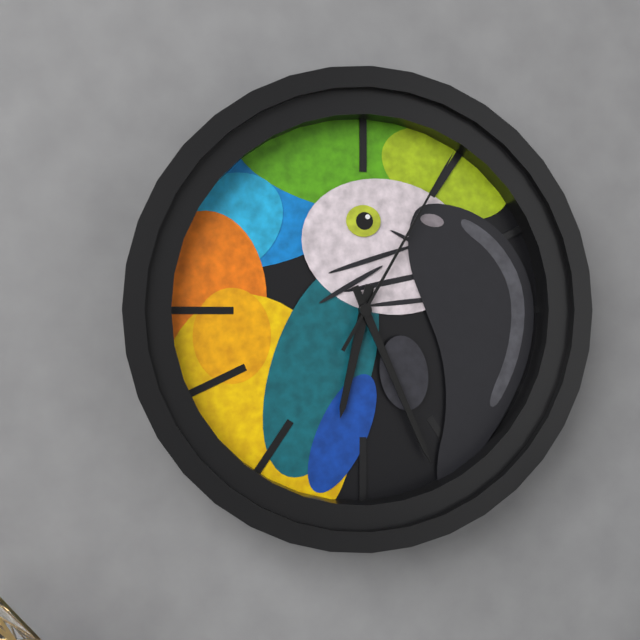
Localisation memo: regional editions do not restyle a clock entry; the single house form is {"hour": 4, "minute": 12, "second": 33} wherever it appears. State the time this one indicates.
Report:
{"hour": 6, "minute": 26, "second": 5}
